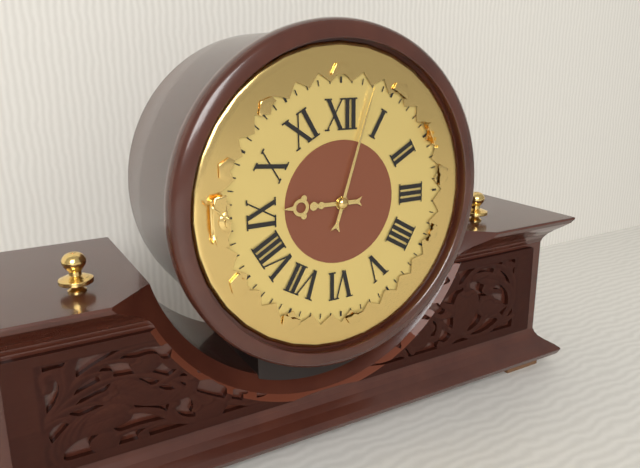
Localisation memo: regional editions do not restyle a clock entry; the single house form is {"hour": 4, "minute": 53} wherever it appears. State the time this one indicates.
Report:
{"hour": 9, "minute": 3}
